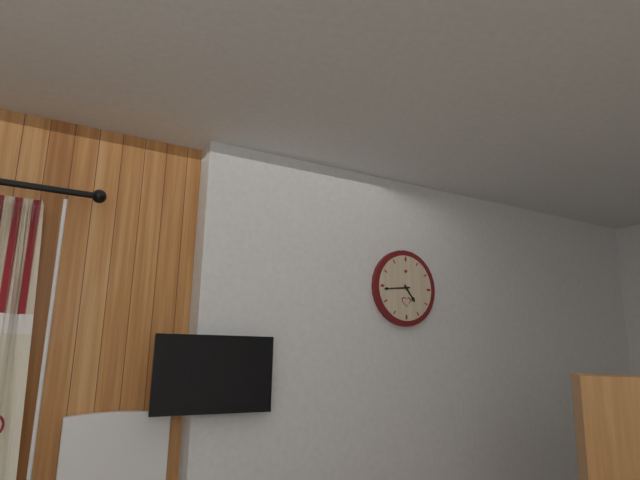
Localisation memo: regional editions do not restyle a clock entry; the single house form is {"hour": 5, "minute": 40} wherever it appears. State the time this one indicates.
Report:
{"hour": 4, "minute": 44}
